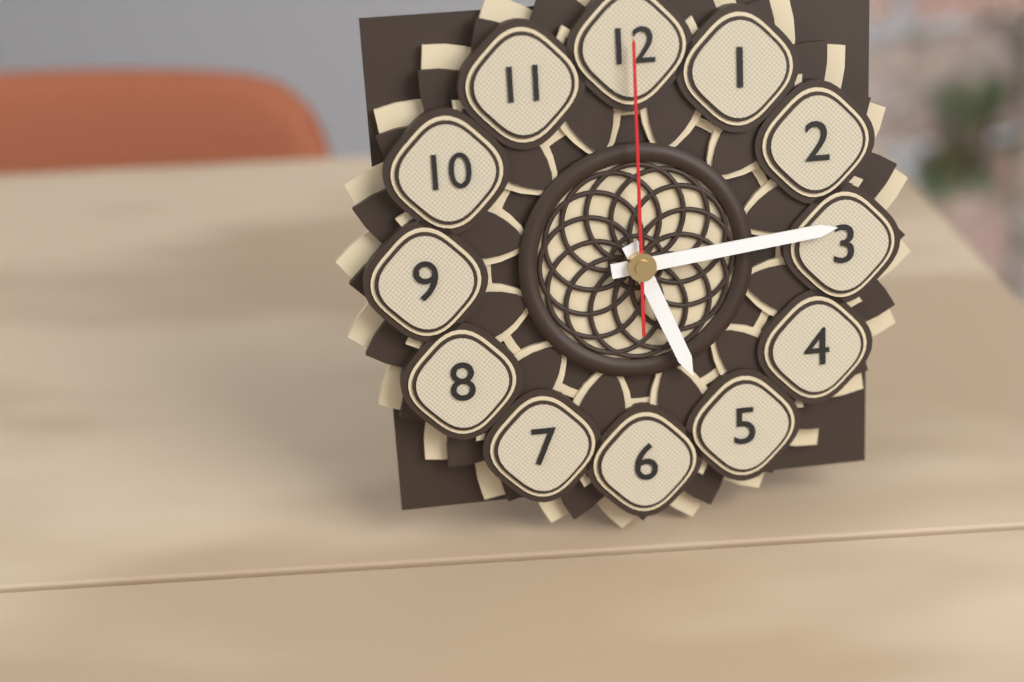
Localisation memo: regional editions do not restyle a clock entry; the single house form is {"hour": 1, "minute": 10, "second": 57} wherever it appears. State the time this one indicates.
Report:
{"hour": 5, "minute": 14, "second": 0}
